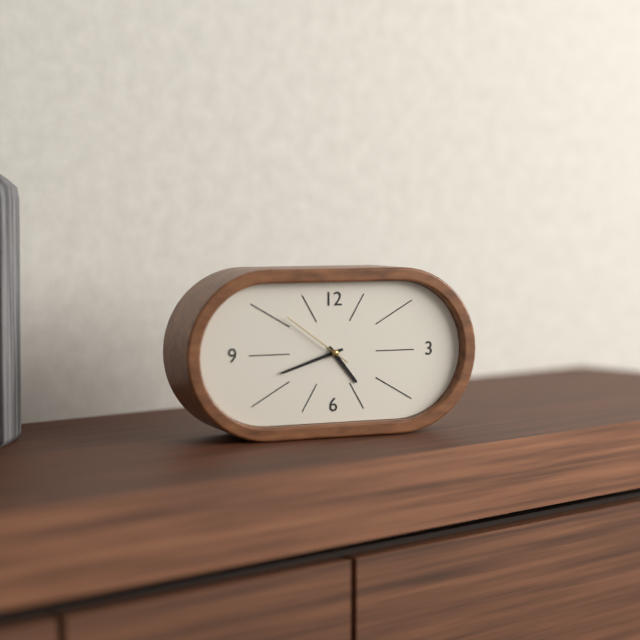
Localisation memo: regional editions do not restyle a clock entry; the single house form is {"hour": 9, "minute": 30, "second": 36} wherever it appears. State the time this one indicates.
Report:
{"hour": 4, "minute": 42, "second": 51}
